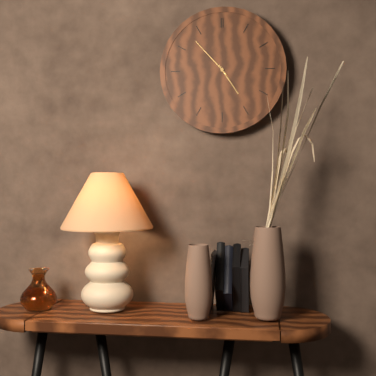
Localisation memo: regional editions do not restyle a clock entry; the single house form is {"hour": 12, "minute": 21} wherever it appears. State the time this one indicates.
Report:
{"hour": 4, "minute": 53}
